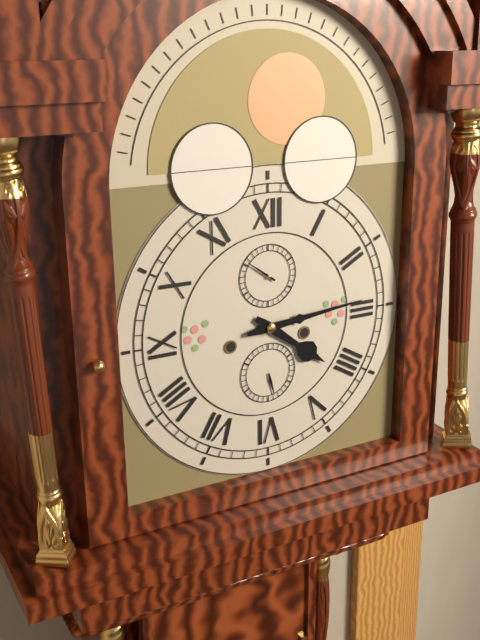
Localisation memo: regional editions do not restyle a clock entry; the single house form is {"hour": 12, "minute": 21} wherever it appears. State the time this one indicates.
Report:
{"hour": 4, "minute": 14}
